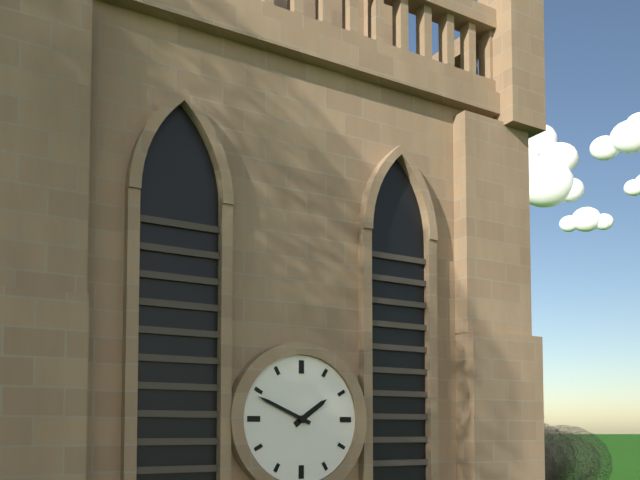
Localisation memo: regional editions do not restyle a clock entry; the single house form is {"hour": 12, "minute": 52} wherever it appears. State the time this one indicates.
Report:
{"hour": 1, "minute": 49}
